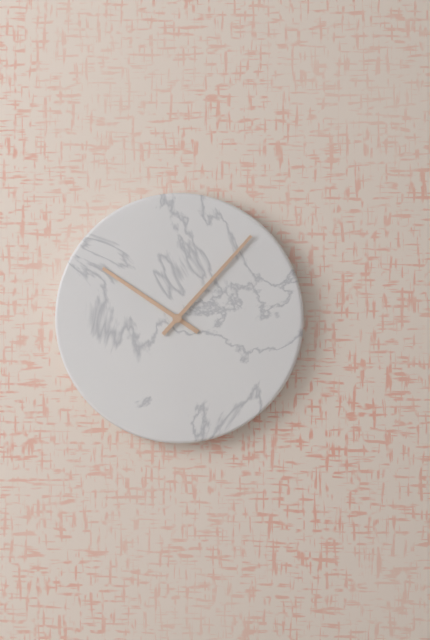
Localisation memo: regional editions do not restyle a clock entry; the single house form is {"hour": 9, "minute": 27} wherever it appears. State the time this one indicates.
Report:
{"hour": 10, "minute": 7}
